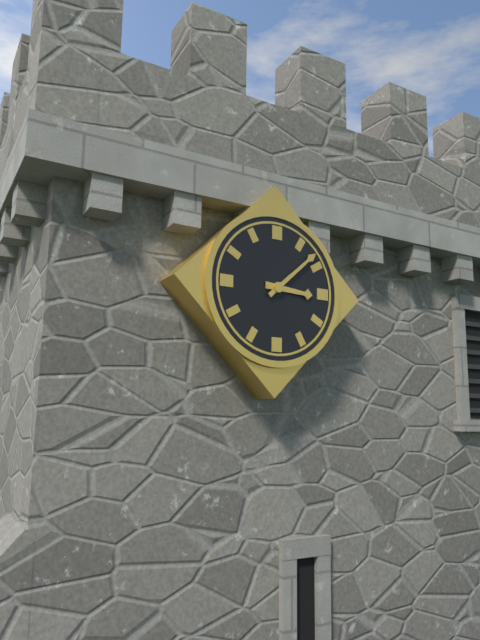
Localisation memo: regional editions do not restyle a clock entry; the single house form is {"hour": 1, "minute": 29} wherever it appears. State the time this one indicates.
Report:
{"hour": 3, "minute": 8}
